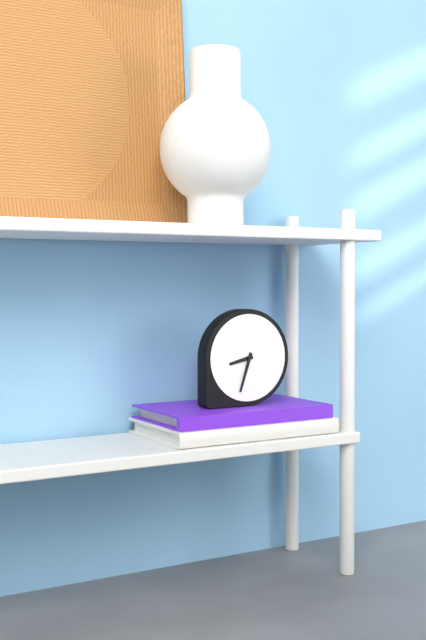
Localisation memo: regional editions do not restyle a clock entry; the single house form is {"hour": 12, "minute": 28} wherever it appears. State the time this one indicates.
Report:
{"hour": 8, "minute": 33}
